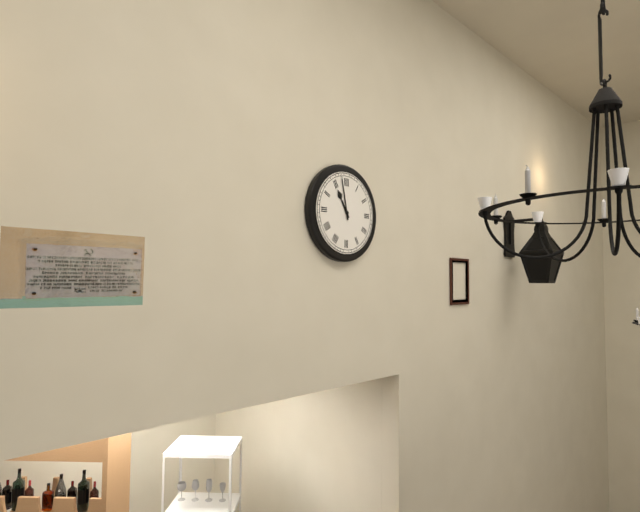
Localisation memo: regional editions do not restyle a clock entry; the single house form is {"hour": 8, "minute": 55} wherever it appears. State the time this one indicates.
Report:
{"hour": 10, "minute": 58}
